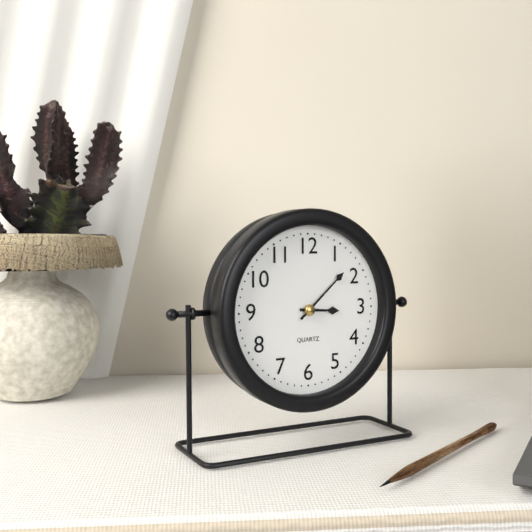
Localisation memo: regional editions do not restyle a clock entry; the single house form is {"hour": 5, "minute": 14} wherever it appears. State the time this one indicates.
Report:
{"hour": 3, "minute": 8}
